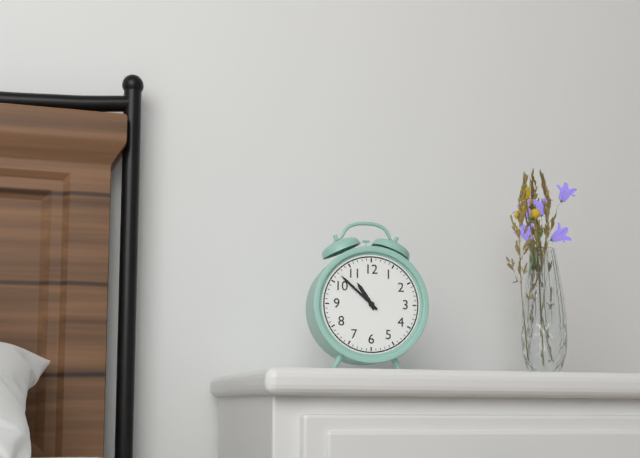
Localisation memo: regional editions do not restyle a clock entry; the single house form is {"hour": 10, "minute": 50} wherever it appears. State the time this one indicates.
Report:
{"hour": 10, "minute": 52}
